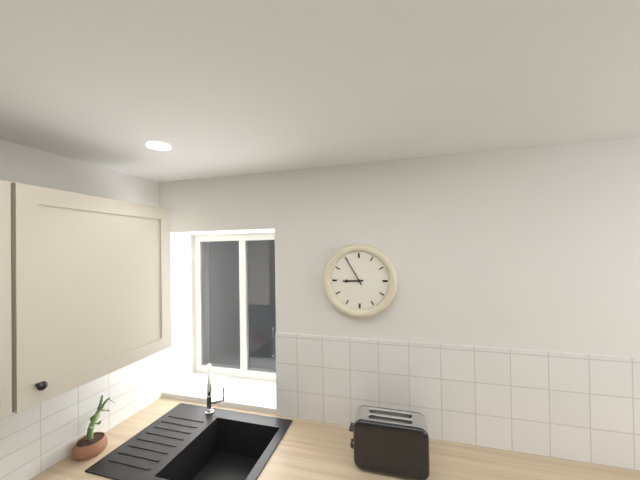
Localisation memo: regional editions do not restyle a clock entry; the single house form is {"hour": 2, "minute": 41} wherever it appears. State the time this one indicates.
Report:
{"hour": 8, "minute": 55}
